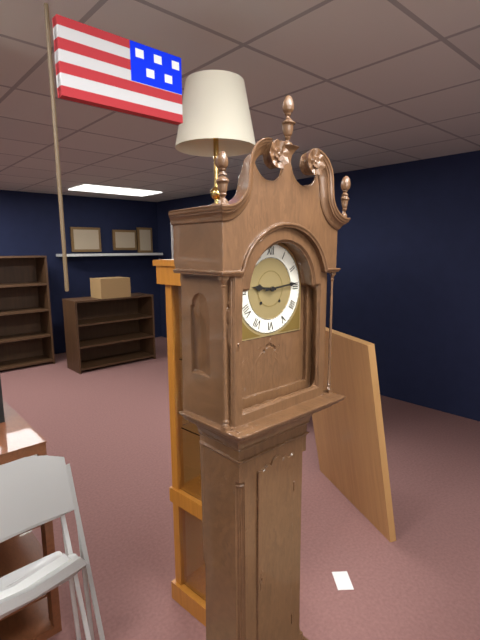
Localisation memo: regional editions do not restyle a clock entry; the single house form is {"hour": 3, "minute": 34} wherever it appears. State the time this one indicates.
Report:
{"hour": 9, "minute": 14}
